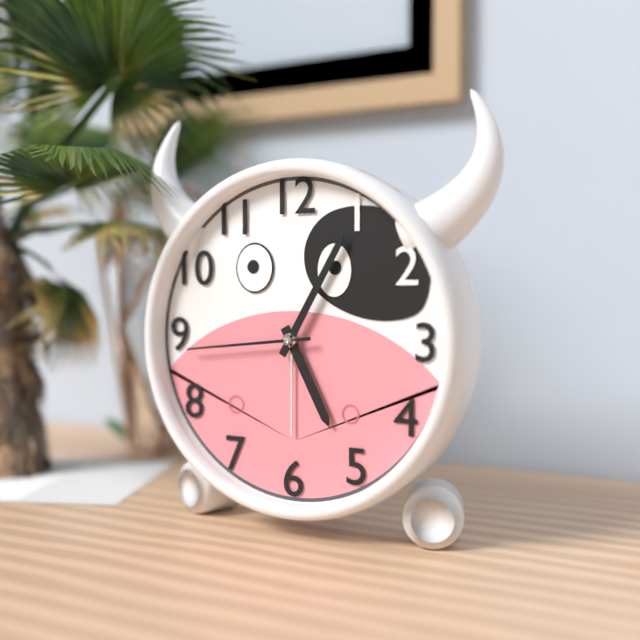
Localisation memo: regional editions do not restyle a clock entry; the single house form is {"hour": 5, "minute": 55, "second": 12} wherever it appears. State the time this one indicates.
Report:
{"hour": 5, "minute": 5, "second": 44}
